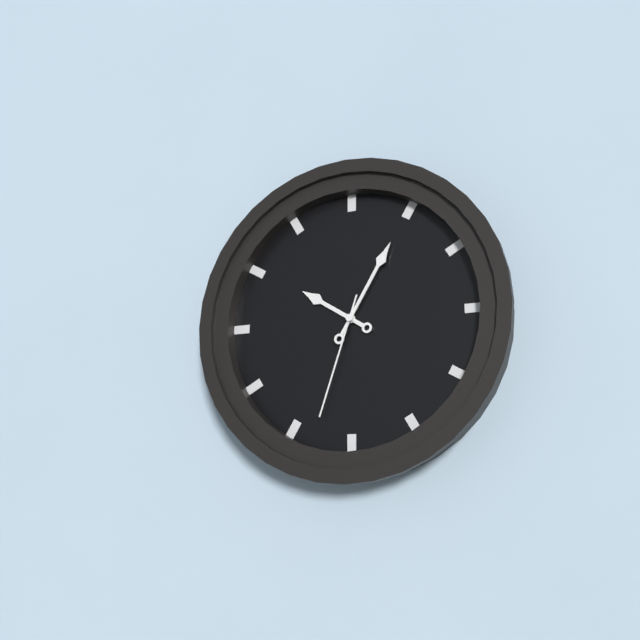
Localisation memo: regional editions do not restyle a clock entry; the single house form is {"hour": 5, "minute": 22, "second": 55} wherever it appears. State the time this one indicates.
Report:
{"hour": 10, "minute": 5, "second": 33}
